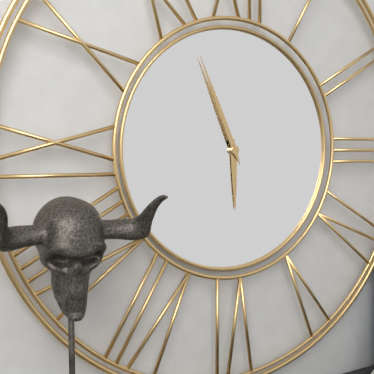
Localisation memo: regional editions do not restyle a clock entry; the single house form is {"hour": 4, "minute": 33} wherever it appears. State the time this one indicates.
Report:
{"hour": 5, "minute": 56}
